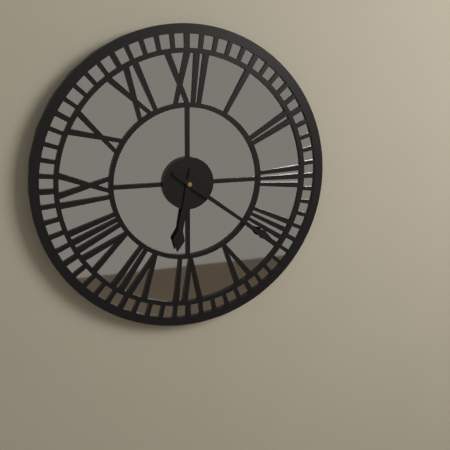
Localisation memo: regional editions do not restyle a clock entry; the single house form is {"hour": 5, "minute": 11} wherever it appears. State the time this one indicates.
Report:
{"hour": 6, "minute": 21}
